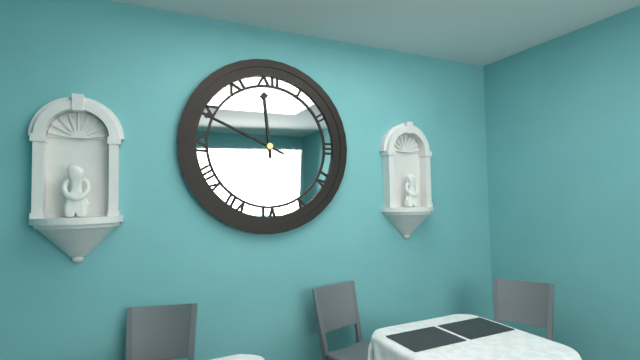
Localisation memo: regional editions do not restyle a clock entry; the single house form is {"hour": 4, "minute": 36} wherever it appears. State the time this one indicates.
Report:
{"hour": 11, "minute": 49}
